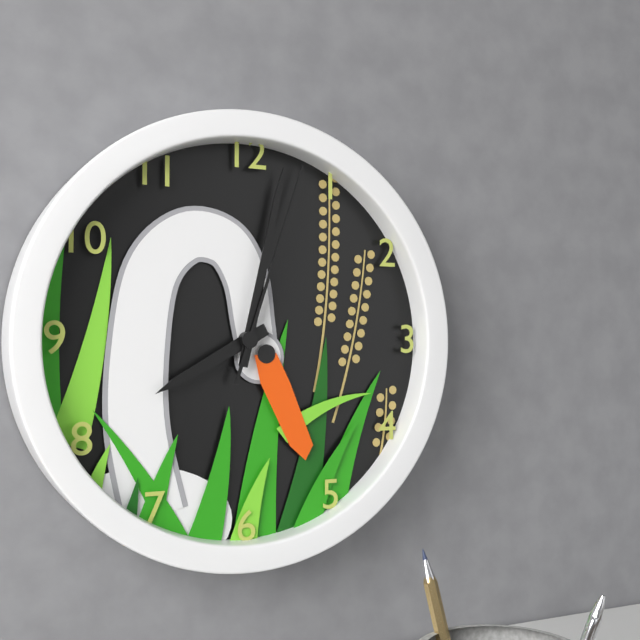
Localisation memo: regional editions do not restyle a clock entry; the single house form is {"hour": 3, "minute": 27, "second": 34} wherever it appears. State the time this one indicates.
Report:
{"hour": 8, "minute": 2, "second": 3}
